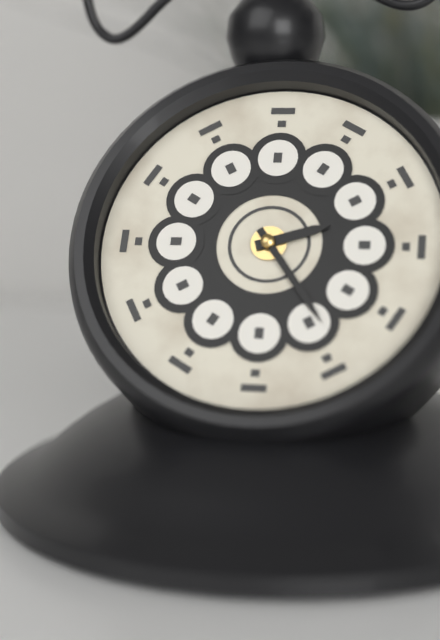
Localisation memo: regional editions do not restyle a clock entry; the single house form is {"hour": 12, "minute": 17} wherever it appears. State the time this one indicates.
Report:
{"hour": 2, "minute": 24}
